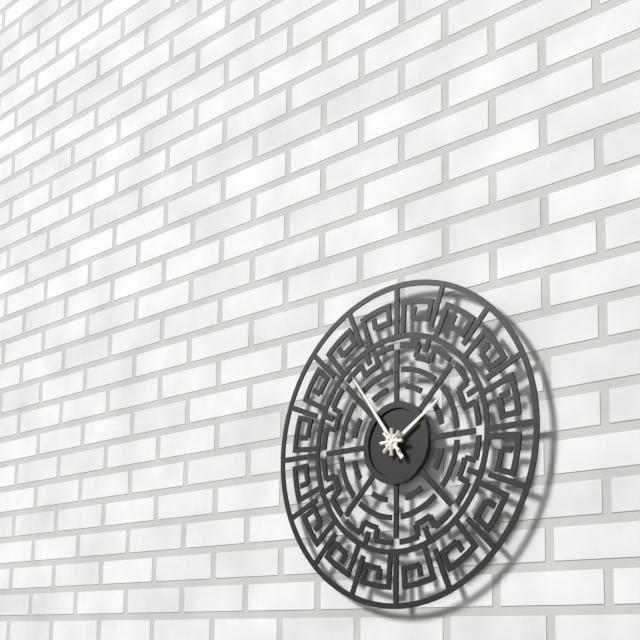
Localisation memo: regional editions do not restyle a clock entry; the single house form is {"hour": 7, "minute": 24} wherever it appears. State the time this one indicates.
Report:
{"hour": 1, "minute": 54}
